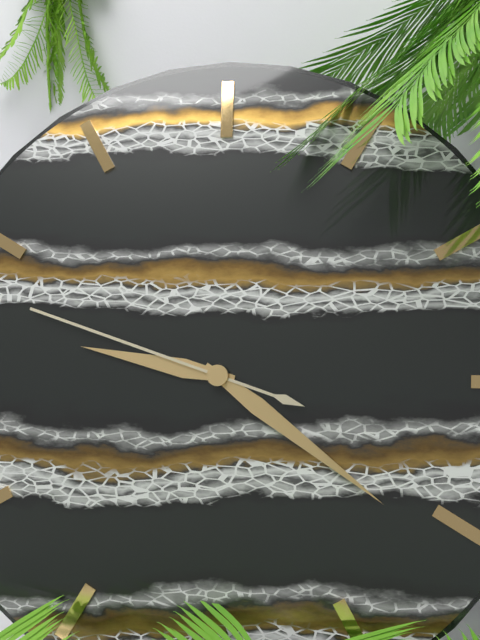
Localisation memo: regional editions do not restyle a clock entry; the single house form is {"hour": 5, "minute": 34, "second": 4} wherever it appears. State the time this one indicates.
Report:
{"hour": 9, "minute": 21, "second": 48}
